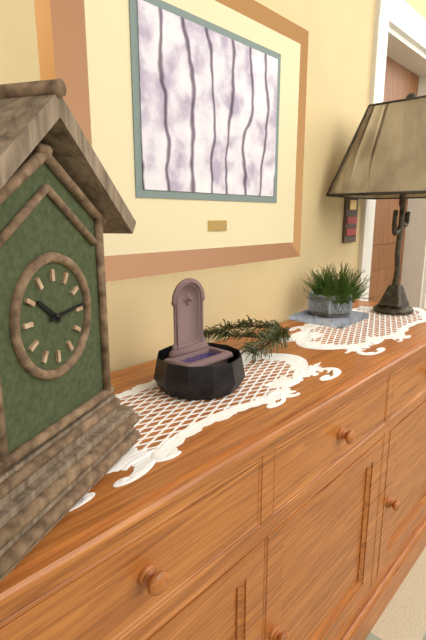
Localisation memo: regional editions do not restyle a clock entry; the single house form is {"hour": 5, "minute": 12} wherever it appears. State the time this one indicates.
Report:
{"hour": 10, "minute": 14}
